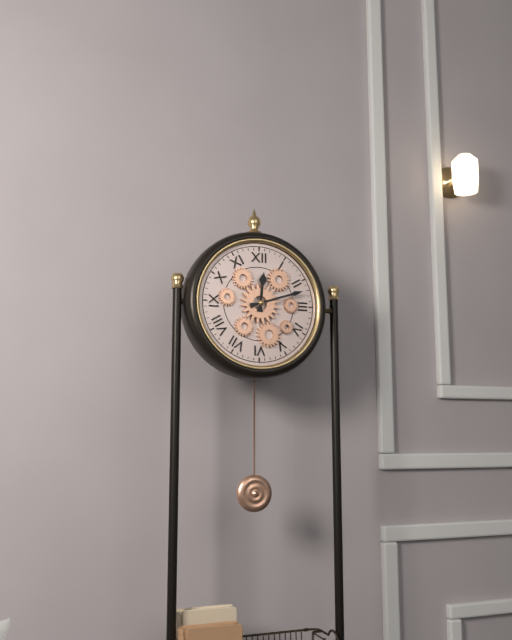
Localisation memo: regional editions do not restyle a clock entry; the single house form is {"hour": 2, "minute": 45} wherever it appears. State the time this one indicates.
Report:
{"hour": 12, "minute": 12}
